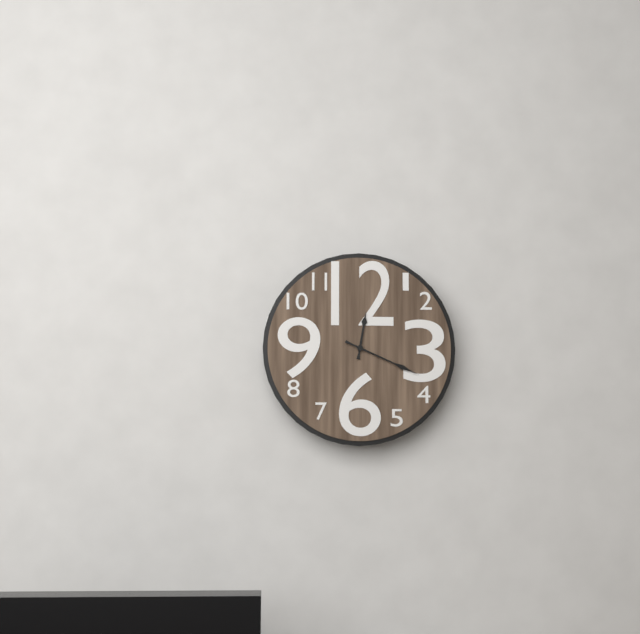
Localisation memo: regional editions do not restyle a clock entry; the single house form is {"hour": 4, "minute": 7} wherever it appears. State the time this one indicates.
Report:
{"hour": 12, "minute": 19}
